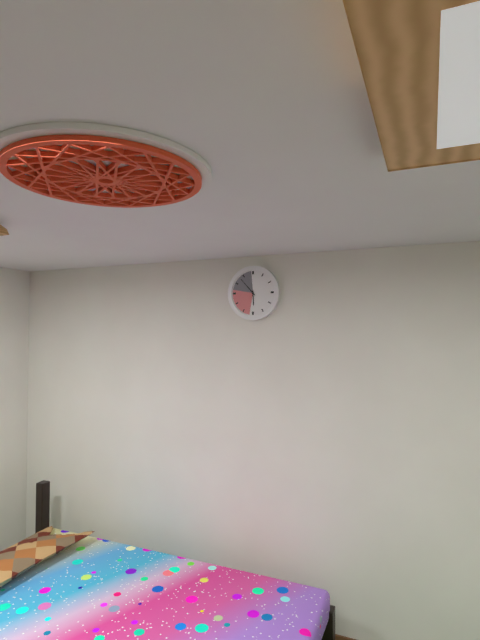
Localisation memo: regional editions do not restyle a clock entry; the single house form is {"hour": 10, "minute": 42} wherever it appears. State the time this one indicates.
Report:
{"hour": 5, "minute": 53}
